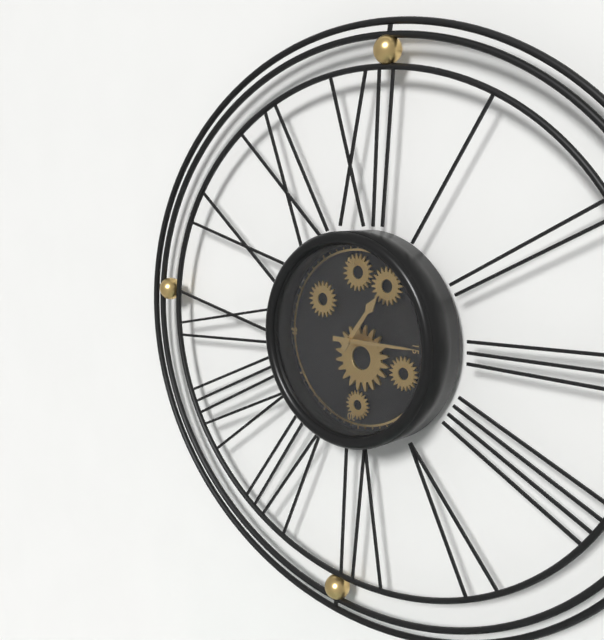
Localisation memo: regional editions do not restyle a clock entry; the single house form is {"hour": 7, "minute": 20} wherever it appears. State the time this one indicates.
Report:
{"hour": 1, "minute": 15}
